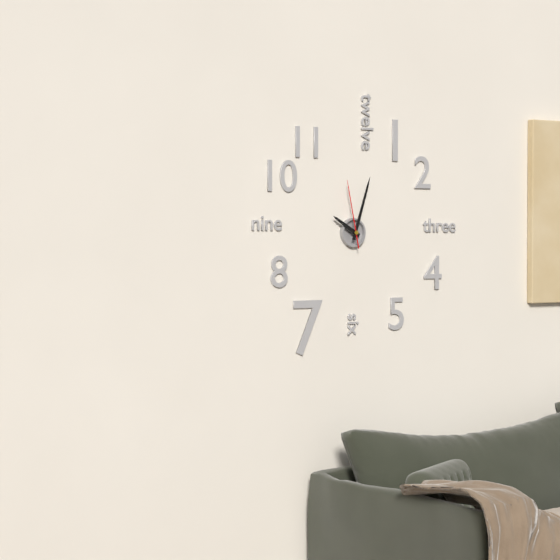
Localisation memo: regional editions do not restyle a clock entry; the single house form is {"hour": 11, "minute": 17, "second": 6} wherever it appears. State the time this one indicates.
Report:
{"hour": 10, "minute": 3, "second": 58}
